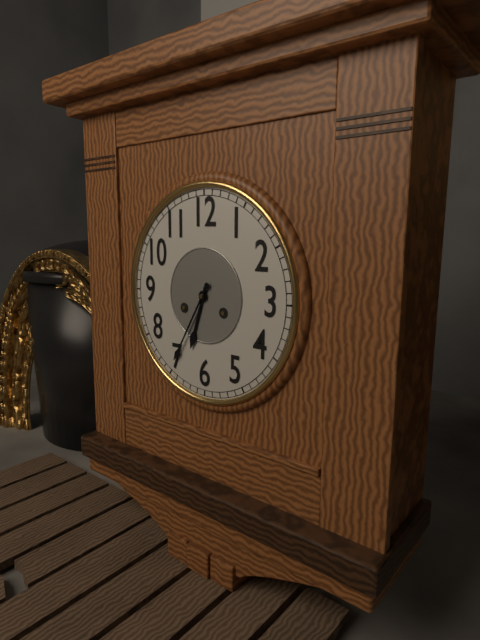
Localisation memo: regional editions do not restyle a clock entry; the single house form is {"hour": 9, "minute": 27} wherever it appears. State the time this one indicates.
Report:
{"hour": 6, "minute": 35}
